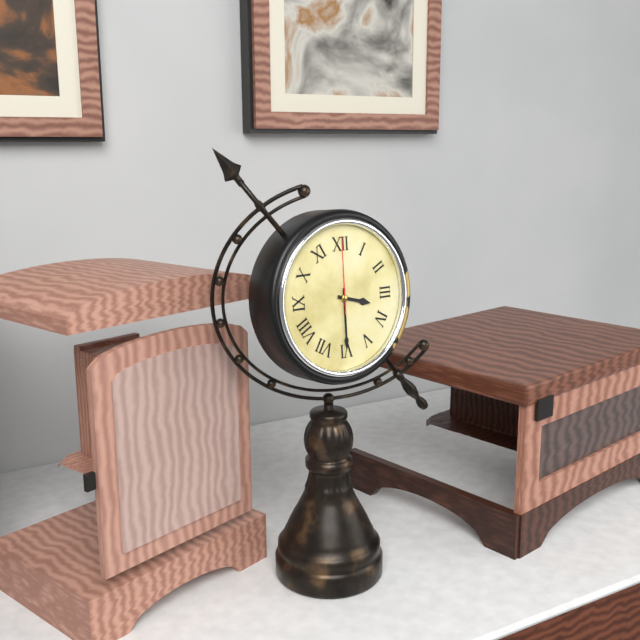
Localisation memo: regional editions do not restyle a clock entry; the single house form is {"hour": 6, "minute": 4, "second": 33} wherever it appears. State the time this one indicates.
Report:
{"hour": 3, "minute": 30, "second": 0}
